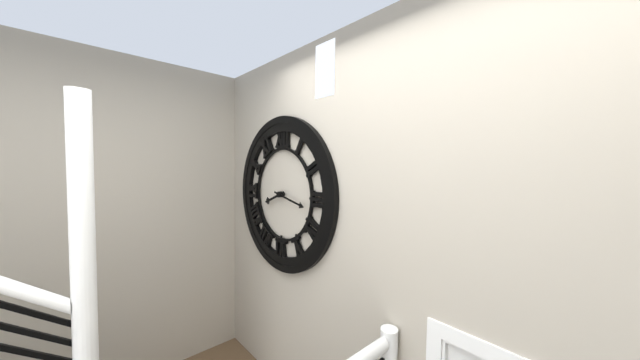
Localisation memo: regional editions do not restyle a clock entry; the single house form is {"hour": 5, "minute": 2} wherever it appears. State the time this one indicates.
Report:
{"hour": 8, "minute": 17}
